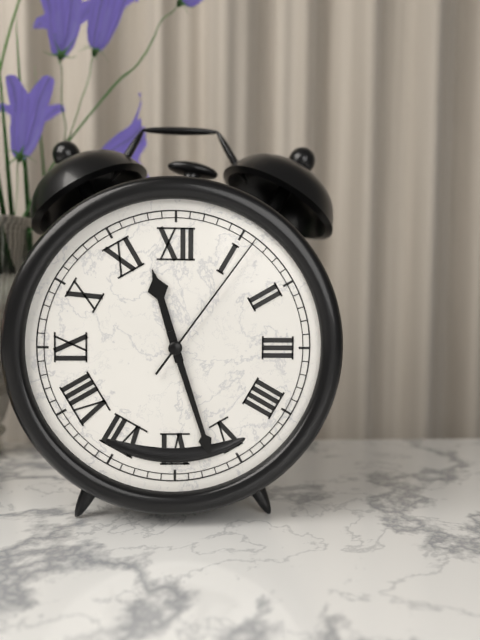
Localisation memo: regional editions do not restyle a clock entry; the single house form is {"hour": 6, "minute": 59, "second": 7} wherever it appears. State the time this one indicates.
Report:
{"hour": 11, "minute": 27, "second": 6}
